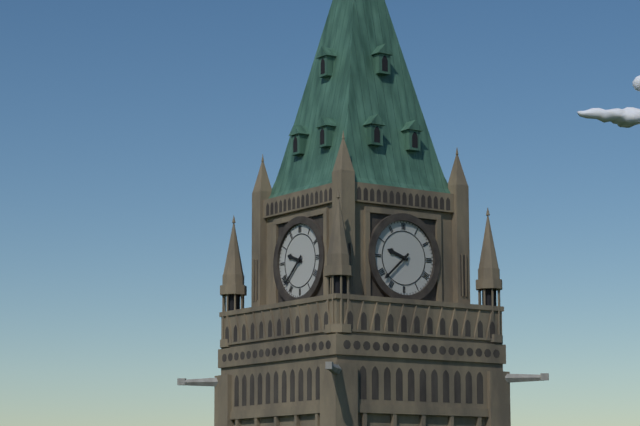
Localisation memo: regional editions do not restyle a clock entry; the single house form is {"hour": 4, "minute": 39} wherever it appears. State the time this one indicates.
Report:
{"hour": 9, "minute": 38}
